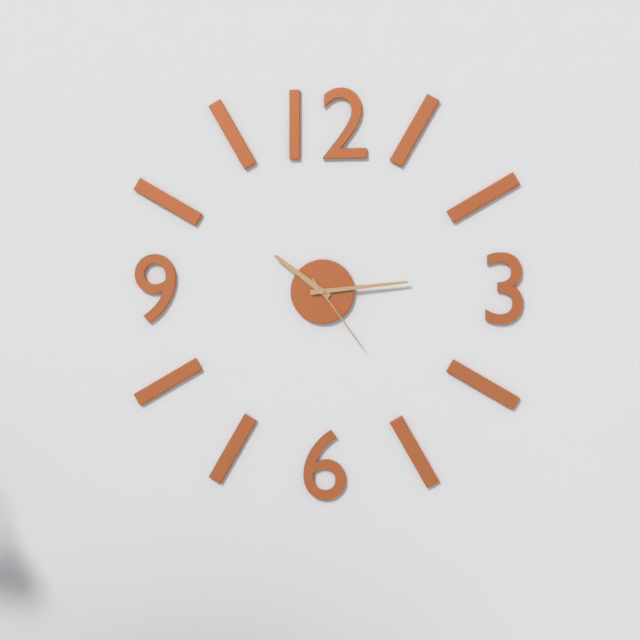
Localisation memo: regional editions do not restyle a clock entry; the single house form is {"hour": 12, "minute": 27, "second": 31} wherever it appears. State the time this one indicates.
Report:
{"hour": 10, "minute": 14, "second": 24}
